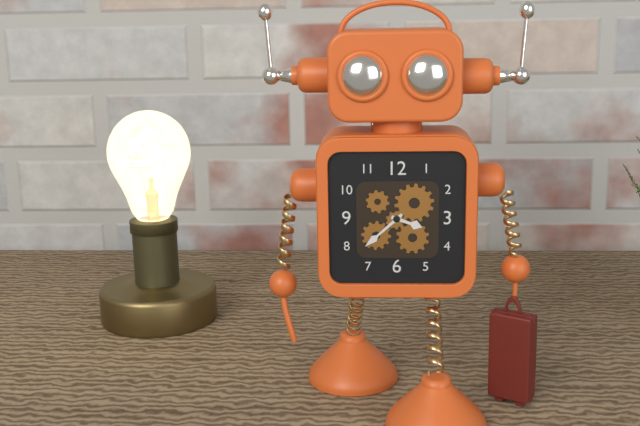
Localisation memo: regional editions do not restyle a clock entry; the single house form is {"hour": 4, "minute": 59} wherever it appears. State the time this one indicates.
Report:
{"hour": 3, "minute": 38}
